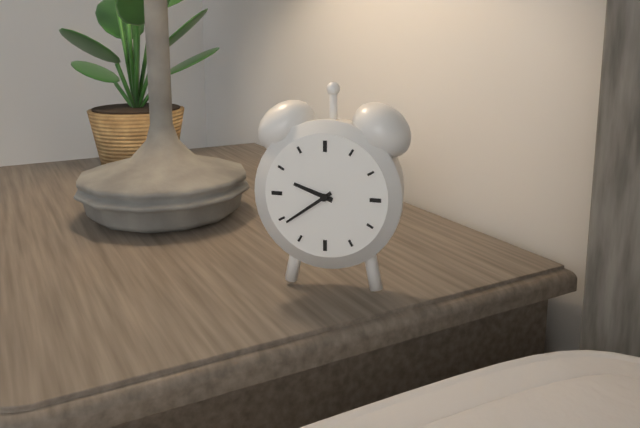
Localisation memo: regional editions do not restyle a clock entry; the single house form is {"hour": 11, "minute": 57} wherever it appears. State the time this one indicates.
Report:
{"hour": 9, "minute": 39}
